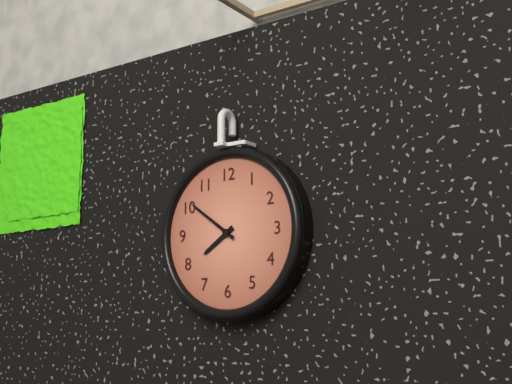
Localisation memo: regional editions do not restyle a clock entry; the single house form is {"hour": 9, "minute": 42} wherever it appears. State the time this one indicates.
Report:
{"hour": 7, "minute": 51}
